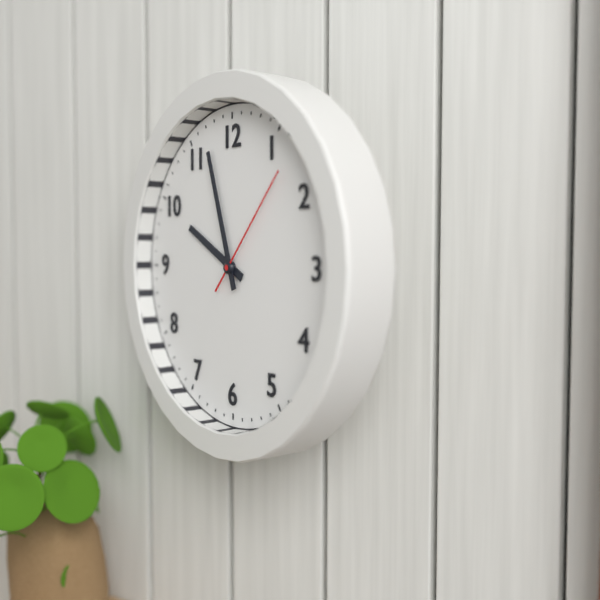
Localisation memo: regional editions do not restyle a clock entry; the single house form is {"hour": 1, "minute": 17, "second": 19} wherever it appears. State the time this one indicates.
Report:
{"hour": 9, "minute": 57, "second": 7}
